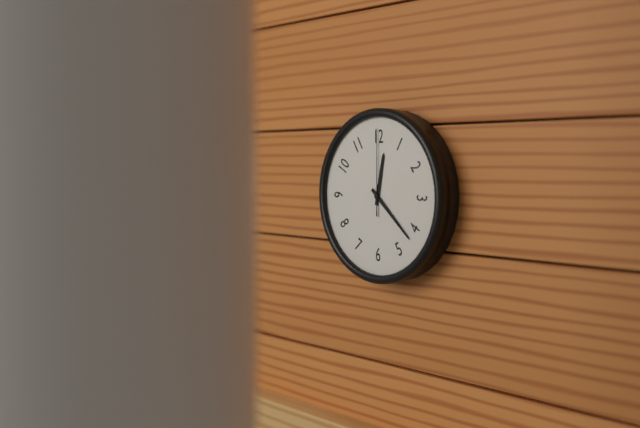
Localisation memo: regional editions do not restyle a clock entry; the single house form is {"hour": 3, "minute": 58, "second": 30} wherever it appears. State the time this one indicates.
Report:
{"hour": 12, "minute": 22, "second": 0}
